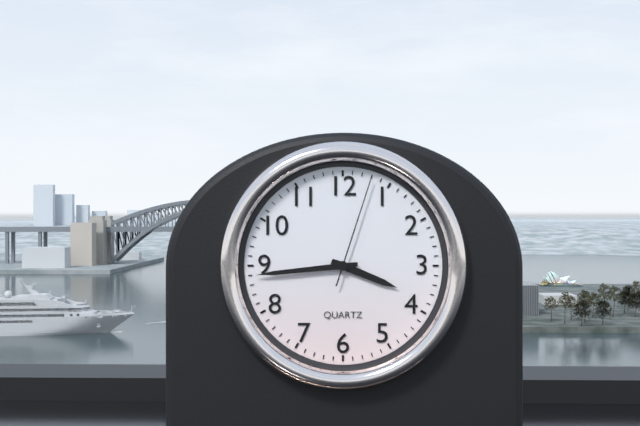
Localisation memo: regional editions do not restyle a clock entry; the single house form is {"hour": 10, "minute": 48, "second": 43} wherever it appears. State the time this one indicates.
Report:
{"hour": 3, "minute": 44, "second": 3}
